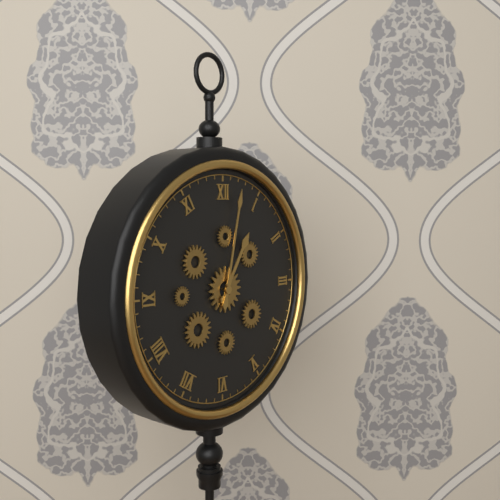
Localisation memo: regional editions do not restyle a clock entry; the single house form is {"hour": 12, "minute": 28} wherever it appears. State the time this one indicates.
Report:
{"hour": 1, "minute": 2}
